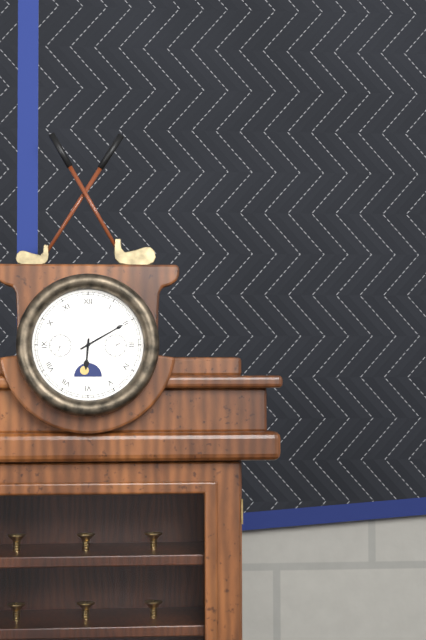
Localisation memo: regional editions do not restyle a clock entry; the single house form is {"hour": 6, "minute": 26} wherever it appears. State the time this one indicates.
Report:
{"hour": 6, "minute": 10}
